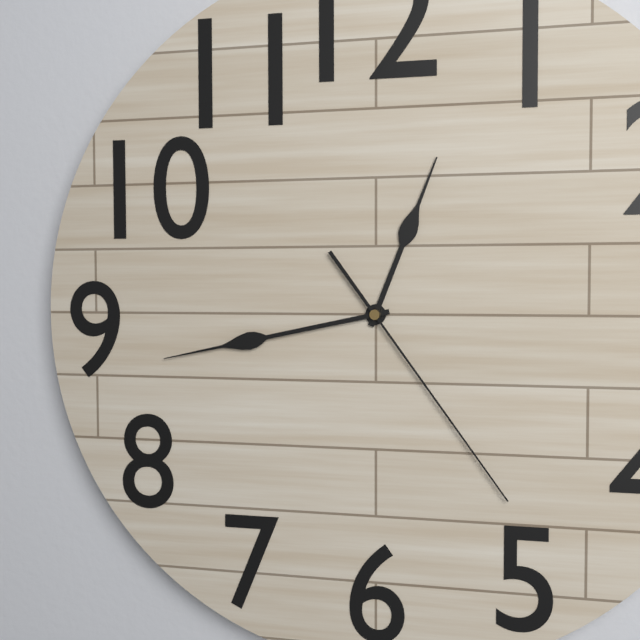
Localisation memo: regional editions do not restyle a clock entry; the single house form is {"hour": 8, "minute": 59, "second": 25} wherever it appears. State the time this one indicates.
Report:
{"hour": 12, "minute": 43, "second": 24}
